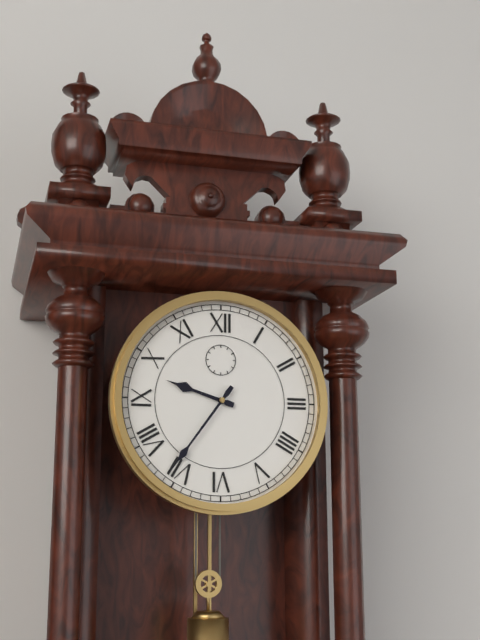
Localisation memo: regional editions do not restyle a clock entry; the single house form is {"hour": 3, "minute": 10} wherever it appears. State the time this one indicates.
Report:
{"hour": 9, "minute": 36}
